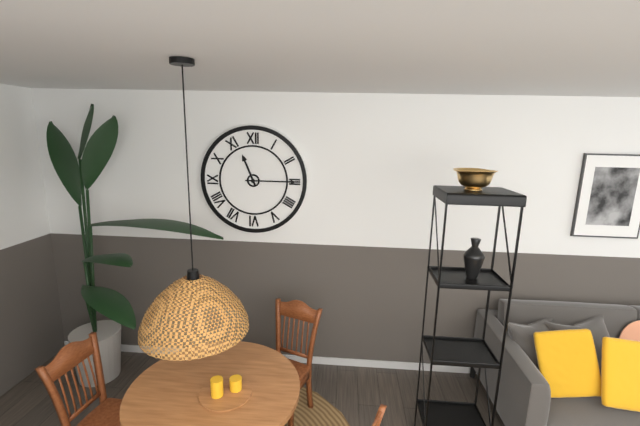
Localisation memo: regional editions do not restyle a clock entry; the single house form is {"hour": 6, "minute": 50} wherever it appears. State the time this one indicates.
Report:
{"hour": 11, "minute": 15}
